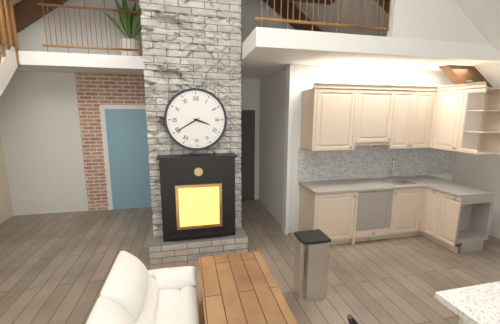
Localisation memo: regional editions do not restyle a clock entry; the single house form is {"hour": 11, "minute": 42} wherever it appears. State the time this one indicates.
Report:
{"hour": 3, "minute": 40}
